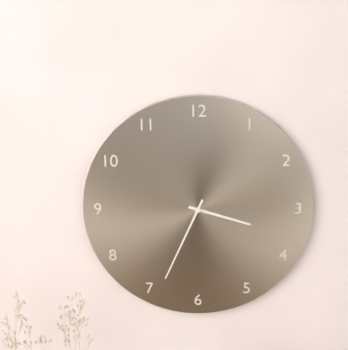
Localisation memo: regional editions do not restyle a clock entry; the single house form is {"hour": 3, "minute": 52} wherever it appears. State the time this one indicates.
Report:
{"hour": 3, "minute": 34}
